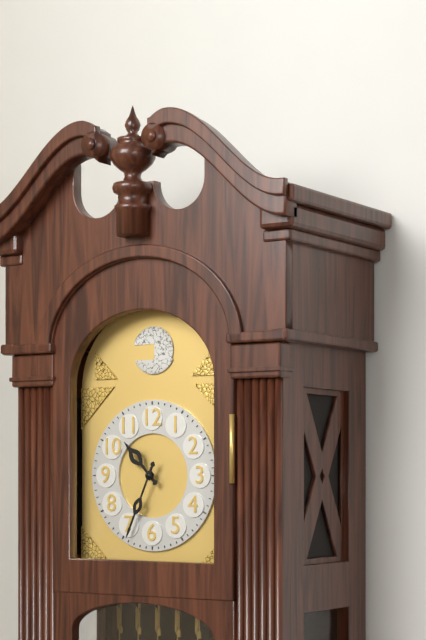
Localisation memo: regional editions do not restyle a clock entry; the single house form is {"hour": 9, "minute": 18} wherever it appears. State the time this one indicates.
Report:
{"hour": 10, "minute": 34}
